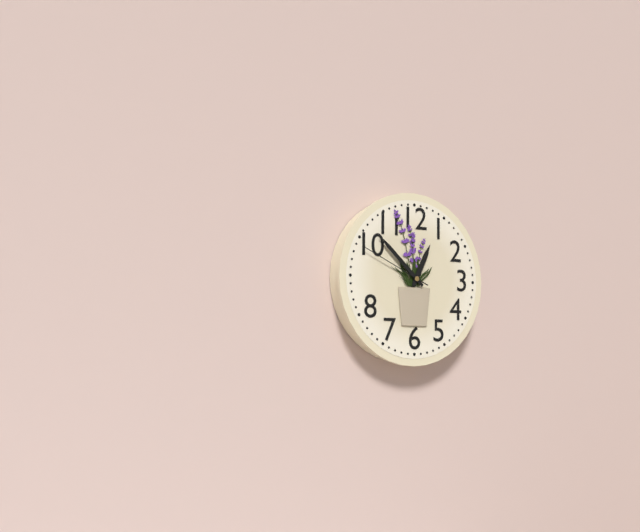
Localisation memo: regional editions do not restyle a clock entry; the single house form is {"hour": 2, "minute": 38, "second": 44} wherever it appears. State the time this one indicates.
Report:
{"hour": 12, "minute": 52, "second": 49}
